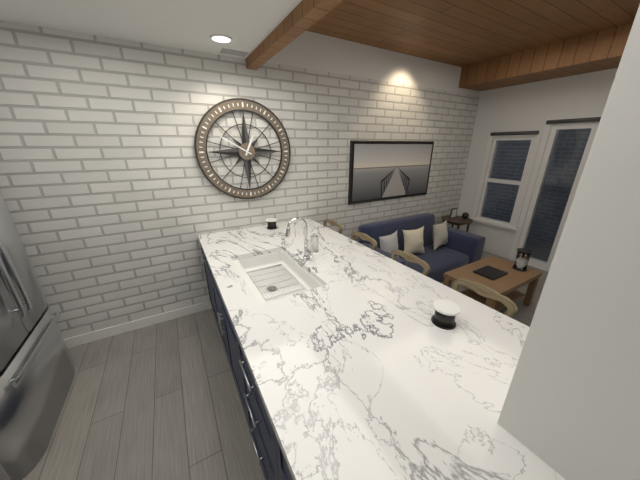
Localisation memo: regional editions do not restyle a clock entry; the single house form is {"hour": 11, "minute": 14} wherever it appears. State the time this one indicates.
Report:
{"hour": 12, "minute": 50}
